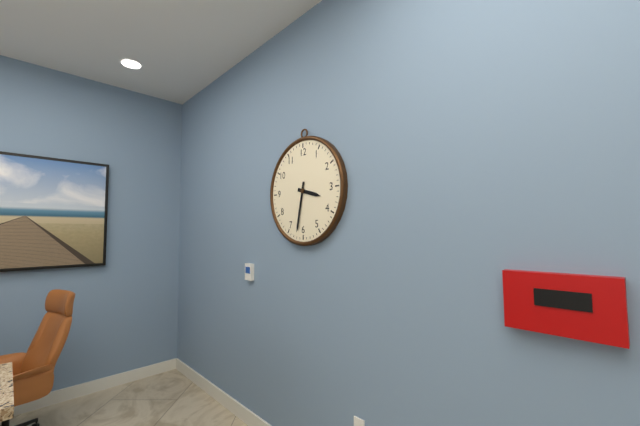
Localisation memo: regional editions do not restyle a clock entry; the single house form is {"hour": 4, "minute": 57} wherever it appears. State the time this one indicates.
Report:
{"hour": 3, "minute": 32}
